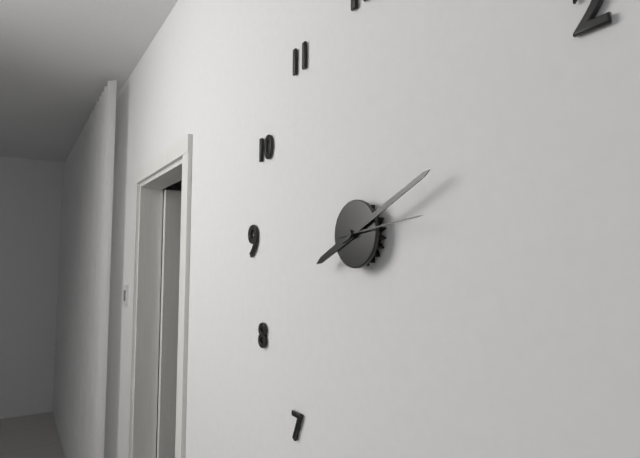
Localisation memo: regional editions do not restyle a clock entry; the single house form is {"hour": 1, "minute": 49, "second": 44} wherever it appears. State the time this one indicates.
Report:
{"hour": 8, "minute": 11, "second": 14}
